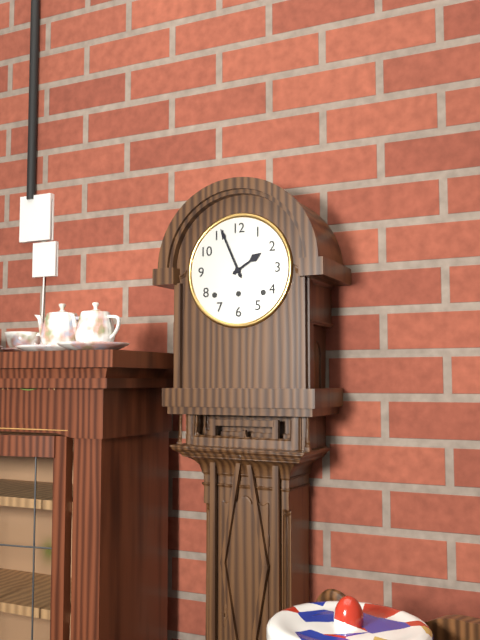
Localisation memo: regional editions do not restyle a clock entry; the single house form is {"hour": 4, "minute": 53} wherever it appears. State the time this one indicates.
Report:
{"hour": 1, "minute": 56}
